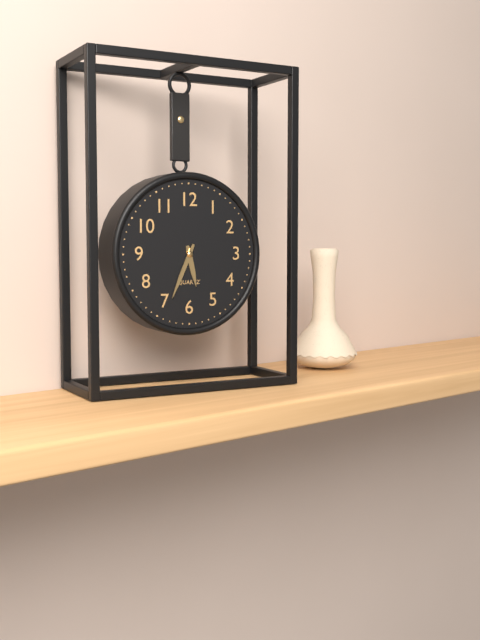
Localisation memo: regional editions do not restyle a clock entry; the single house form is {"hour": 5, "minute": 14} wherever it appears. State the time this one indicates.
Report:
{"hour": 5, "minute": 34}
